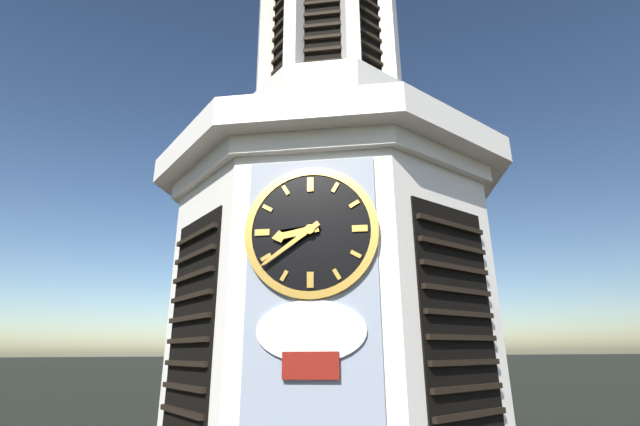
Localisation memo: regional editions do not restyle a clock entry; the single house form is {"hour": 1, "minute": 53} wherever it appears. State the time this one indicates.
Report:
{"hour": 8, "minute": 39}
